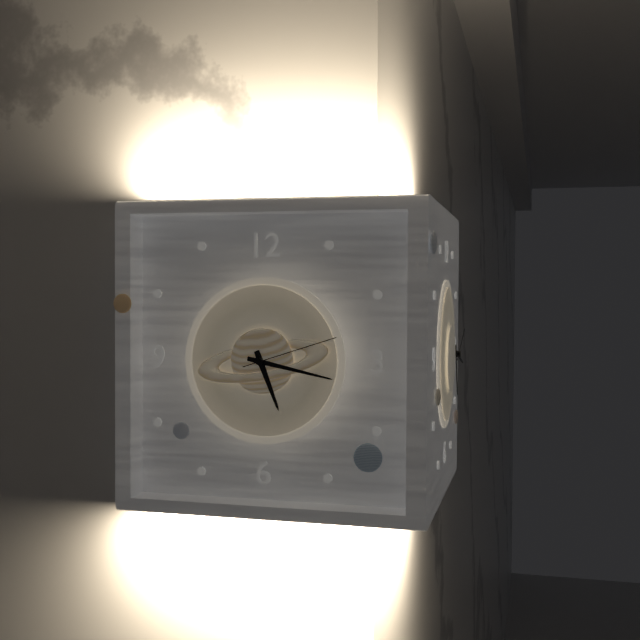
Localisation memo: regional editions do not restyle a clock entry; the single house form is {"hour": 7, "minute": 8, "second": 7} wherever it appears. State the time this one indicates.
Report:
{"hour": 5, "minute": 17, "second": 12}
